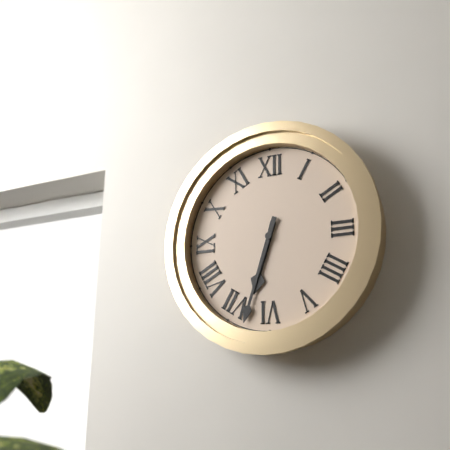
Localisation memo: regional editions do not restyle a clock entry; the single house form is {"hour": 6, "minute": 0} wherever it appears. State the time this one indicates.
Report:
{"hour": 6, "minute": 33}
